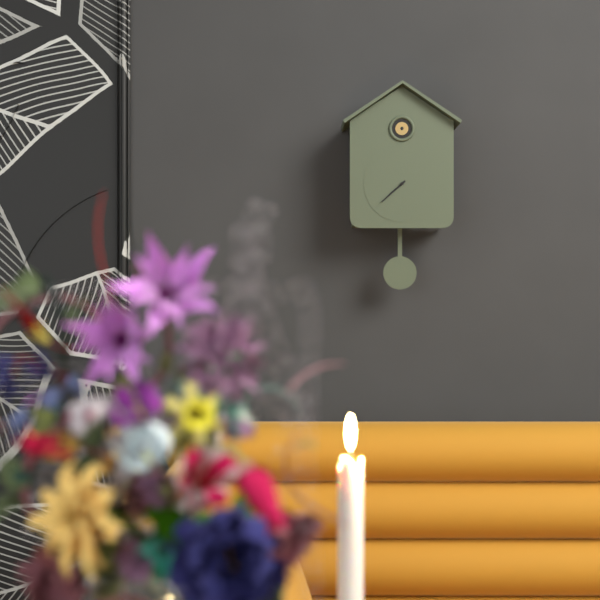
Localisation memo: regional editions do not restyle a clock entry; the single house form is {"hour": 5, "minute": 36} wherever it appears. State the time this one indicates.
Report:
{"hour": 7, "minute": 38}
